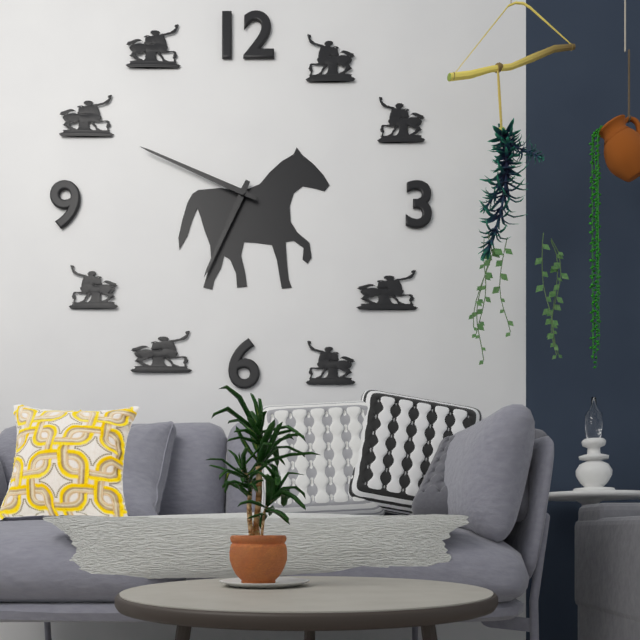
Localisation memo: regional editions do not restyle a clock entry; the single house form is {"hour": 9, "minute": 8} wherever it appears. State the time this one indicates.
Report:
{"hour": 6, "minute": 49}
